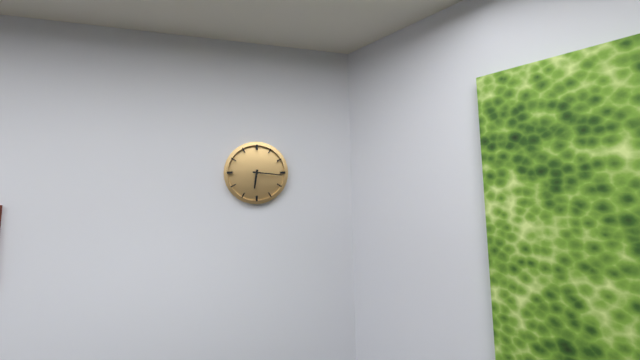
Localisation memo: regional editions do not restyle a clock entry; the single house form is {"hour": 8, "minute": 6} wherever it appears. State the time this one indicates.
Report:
{"hour": 6, "minute": 16}
